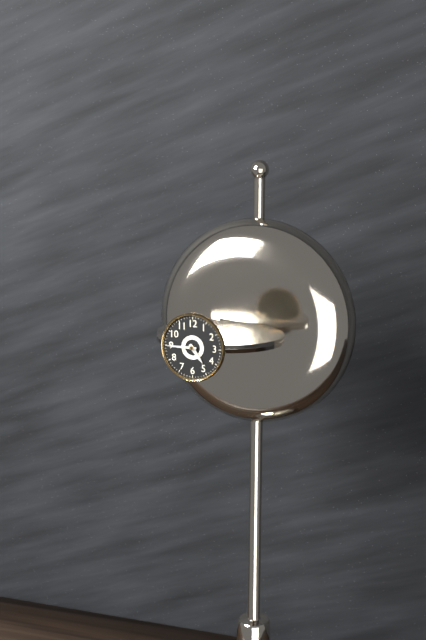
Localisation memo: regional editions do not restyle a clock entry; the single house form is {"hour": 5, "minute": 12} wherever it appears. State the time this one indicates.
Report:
{"hour": 4, "minute": 45}
